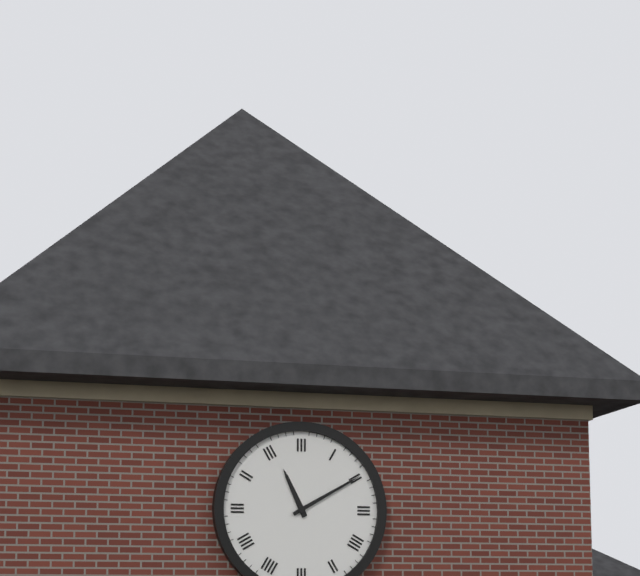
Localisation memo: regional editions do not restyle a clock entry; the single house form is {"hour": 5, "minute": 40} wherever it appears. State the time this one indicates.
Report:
{"hour": 11, "minute": 10}
